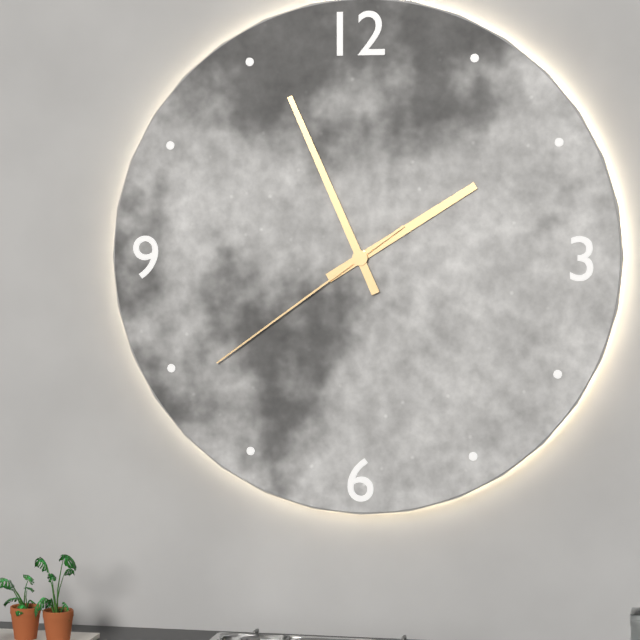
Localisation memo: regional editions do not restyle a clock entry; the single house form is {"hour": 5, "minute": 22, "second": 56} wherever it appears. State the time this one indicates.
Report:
{"hour": 1, "minute": 56, "second": 39}
